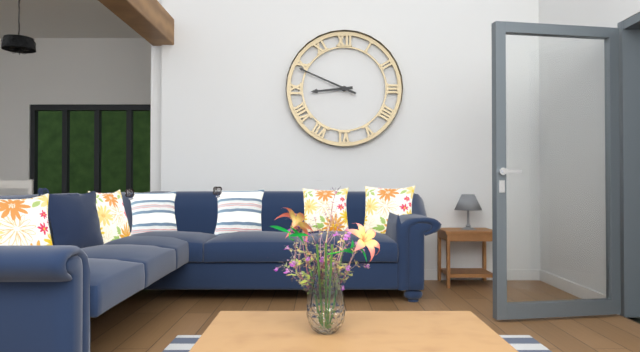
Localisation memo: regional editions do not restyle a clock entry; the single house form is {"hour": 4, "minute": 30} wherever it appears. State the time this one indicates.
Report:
{"hour": 8, "minute": 49}
